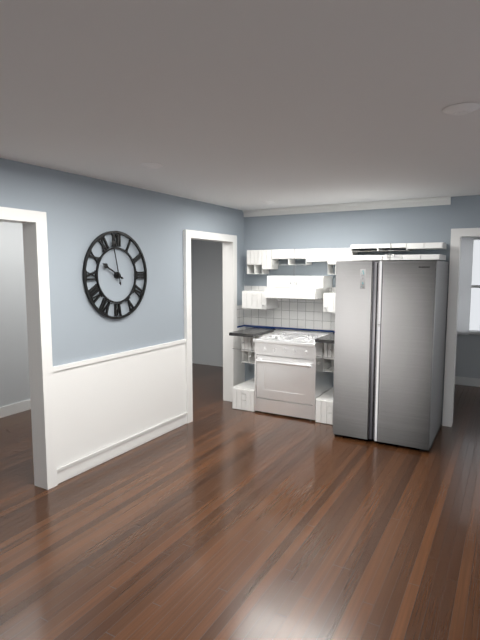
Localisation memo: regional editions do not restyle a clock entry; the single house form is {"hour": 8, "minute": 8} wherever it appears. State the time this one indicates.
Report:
{"hour": 9, "minute": 58}
